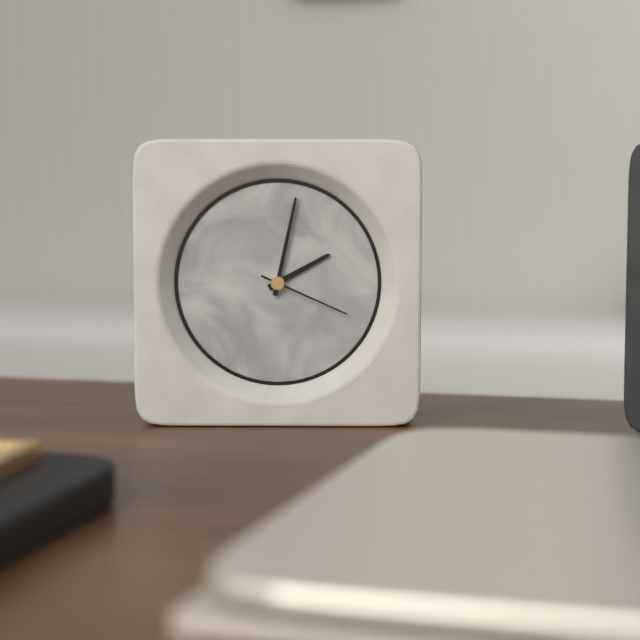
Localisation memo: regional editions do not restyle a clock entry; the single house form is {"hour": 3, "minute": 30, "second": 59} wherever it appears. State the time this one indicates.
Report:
{"hour": 2, "minute": 2, "second": 19}
